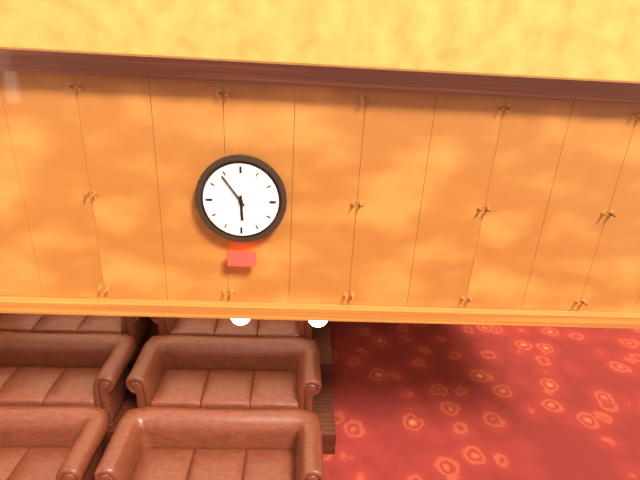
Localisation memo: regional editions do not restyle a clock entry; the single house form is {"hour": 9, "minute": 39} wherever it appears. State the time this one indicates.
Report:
{"hour": 5, "minute": 54}
